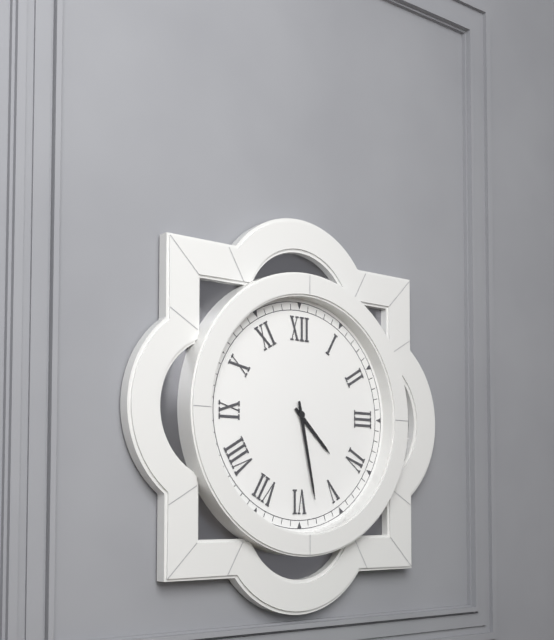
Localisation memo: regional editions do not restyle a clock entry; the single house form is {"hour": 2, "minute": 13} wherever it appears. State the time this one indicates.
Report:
{"hour": 4, "minute": 28}
